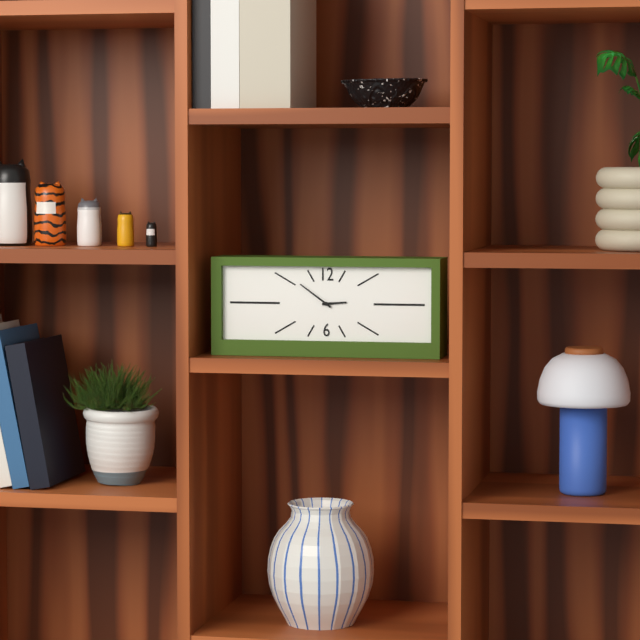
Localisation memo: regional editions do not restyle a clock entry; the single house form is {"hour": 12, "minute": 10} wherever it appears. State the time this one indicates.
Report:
{"hour": 2, "minute": 51}
